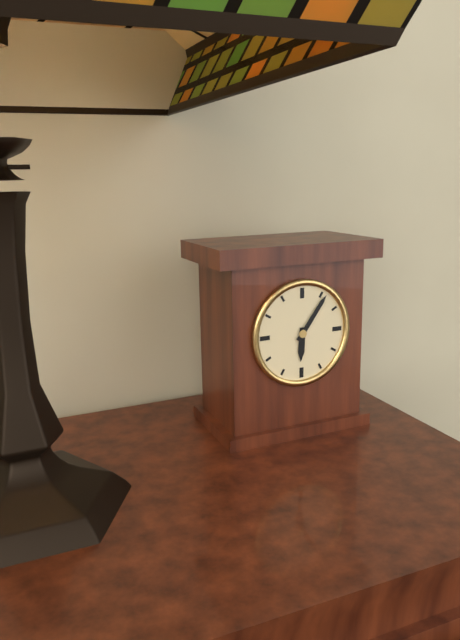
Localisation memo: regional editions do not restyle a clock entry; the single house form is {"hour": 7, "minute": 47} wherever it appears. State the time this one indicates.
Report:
{"hour": 6, "minute": 6}
